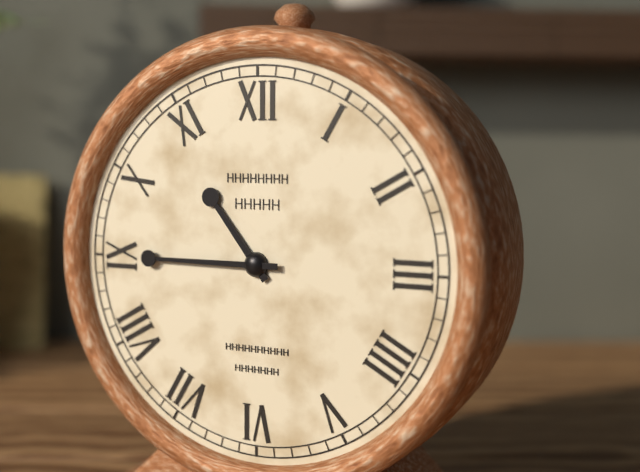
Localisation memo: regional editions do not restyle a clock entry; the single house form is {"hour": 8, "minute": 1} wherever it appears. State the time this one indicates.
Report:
{"hour": 10, "minute": 45}
